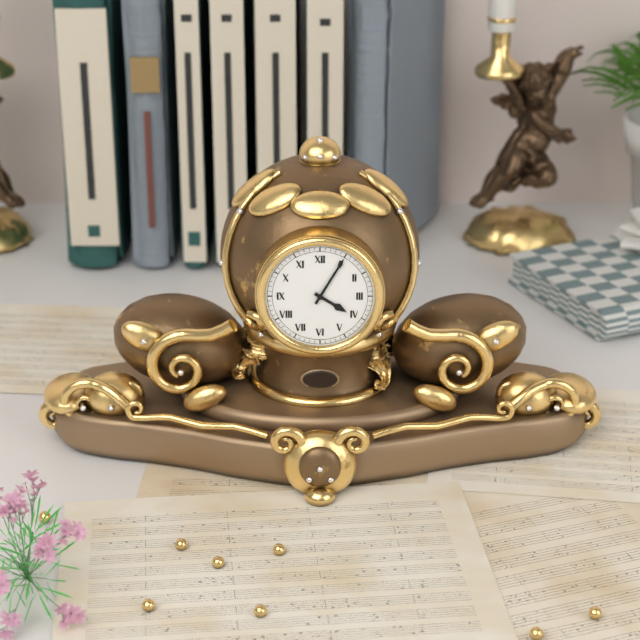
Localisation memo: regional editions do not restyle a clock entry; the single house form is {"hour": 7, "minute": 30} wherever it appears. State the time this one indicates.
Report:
{"hour": 4, "minute": 5}
